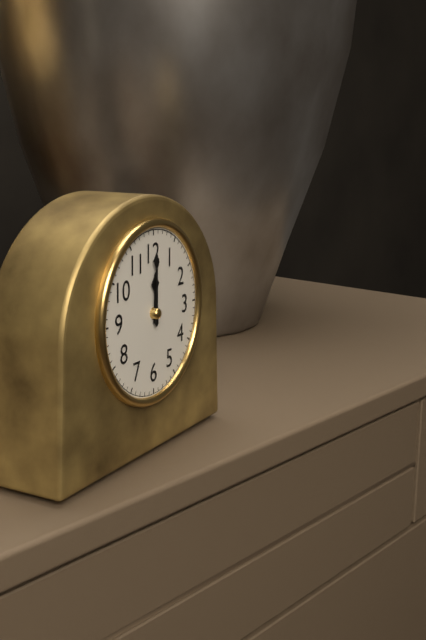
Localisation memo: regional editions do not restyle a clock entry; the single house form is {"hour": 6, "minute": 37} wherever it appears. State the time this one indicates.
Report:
{"hour": 12, "minute": 0}
